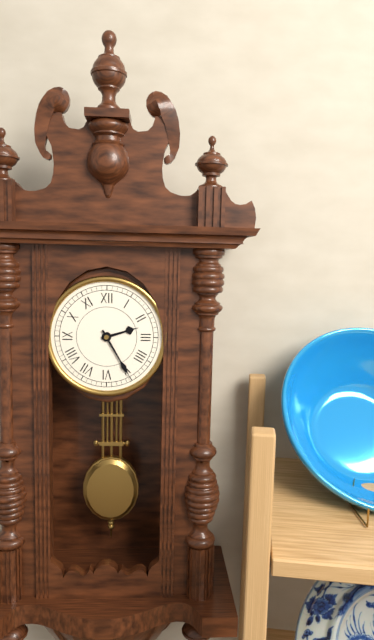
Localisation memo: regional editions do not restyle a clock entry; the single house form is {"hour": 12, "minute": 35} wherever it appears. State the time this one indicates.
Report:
{"hour": 2, "minute": 25}
